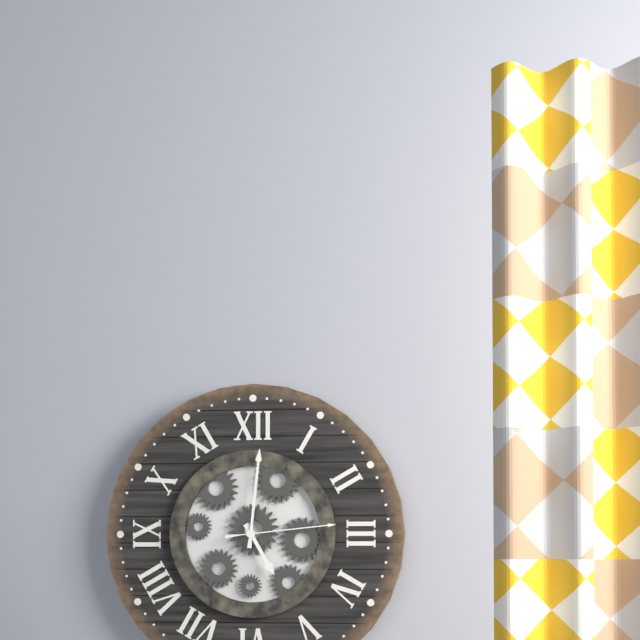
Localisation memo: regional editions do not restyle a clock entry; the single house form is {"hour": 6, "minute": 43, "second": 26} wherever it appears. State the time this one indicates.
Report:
{"hour": 5, "minute": 1, "second": 14}
